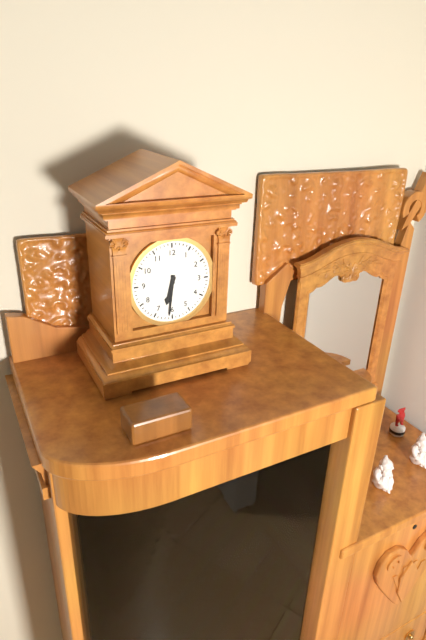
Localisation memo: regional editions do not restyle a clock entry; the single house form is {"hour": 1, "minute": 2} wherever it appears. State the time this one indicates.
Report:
{"hour": 6, "minute": 31}
